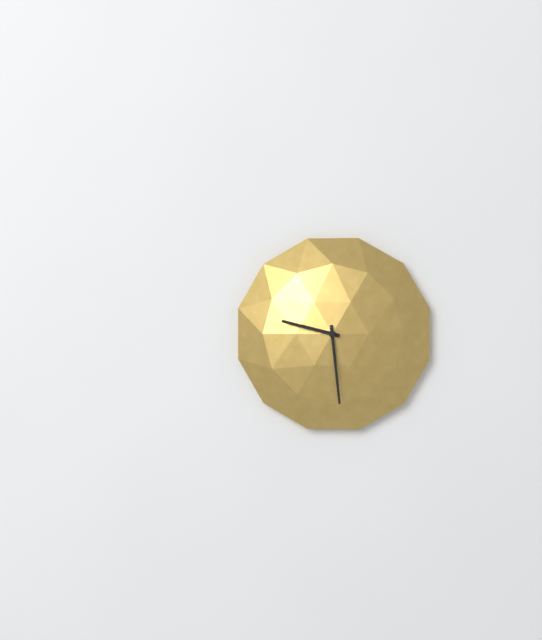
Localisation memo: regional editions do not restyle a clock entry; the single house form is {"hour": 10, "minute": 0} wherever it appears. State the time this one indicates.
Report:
{"hour": 9, "minute": 29}
